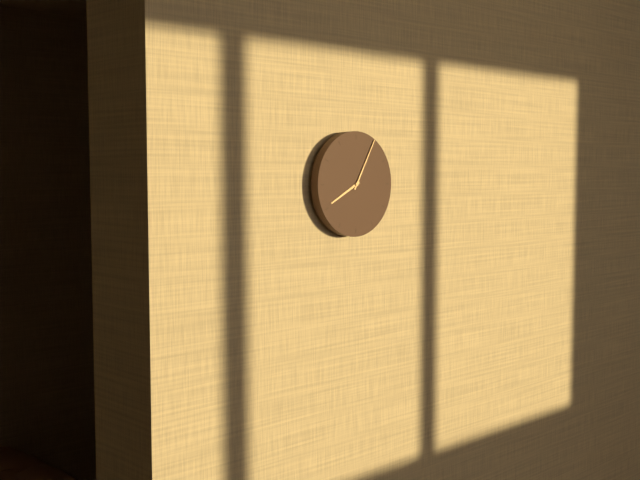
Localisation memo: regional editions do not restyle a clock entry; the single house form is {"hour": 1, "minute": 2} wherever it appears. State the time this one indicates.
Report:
{"hour": 8, "minute": 5}
